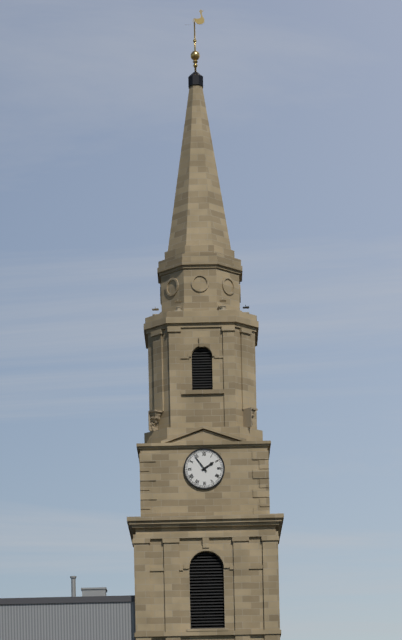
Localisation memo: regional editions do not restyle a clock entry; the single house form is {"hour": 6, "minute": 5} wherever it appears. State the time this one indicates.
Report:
{"hour": 1, "minute": 54}
